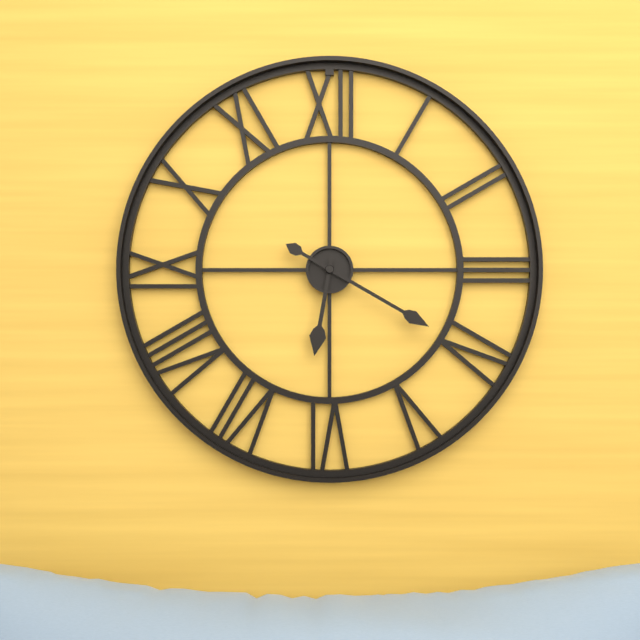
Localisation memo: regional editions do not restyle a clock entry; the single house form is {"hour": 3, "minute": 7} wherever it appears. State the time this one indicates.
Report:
{"hour": 6, "minute": 20}
